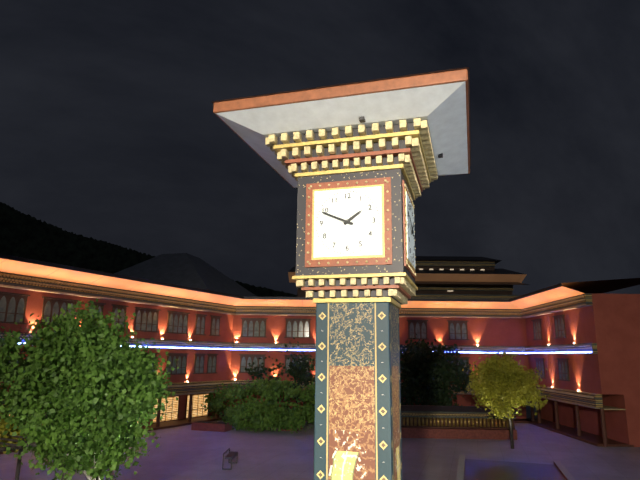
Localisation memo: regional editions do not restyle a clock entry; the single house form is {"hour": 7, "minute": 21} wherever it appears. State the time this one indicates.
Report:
{"hour": 1, "minute": 49}
